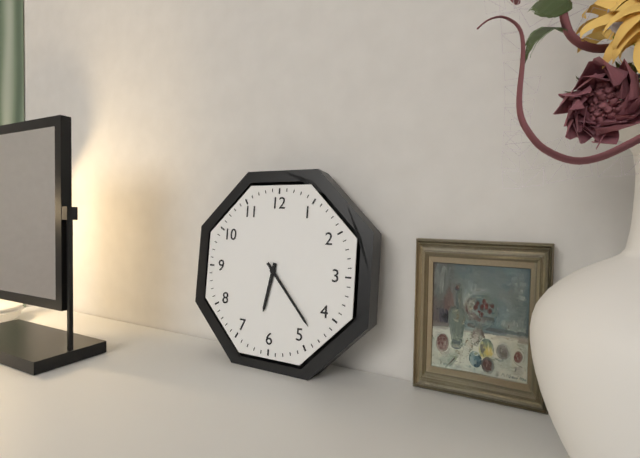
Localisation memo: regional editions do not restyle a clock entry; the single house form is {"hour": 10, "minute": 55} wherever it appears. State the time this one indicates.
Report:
{"hour": 6, "minute": 23}
